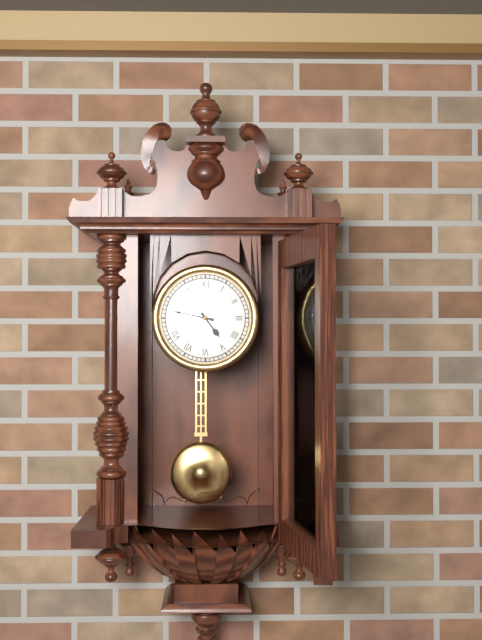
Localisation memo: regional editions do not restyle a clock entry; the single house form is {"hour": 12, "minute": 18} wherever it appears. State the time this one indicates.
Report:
{"hour": 4, "minute": 47}
